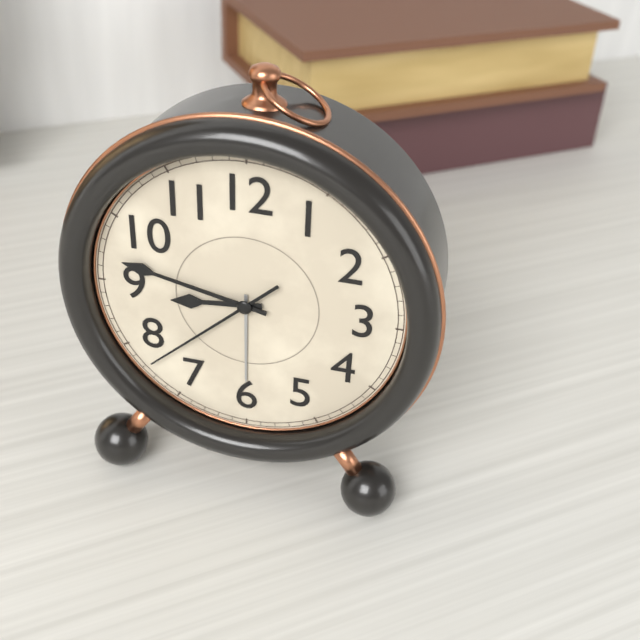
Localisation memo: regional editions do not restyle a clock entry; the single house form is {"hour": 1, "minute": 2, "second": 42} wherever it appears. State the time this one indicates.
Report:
{"hour": 8, "minute": 47, "second": 38}
